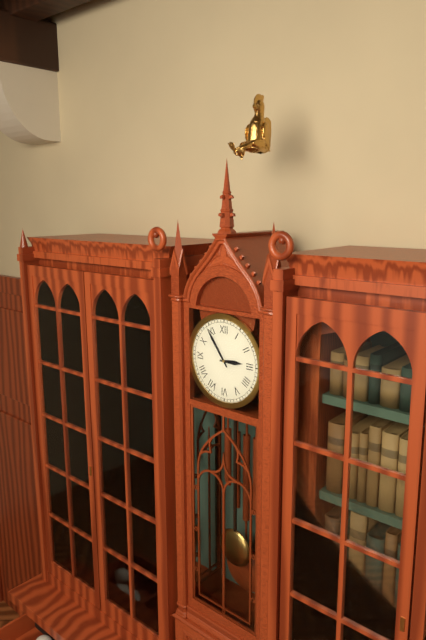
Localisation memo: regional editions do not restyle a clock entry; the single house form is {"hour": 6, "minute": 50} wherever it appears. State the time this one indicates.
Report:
{"hour": 2, "minute": 54}
